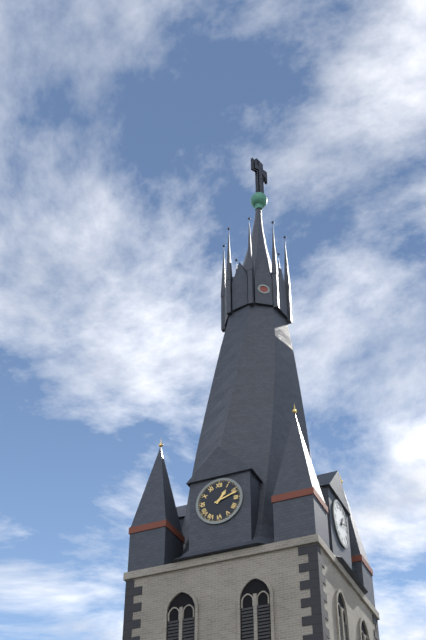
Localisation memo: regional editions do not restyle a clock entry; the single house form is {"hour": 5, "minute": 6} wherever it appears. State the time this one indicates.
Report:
{"hour": 1, "minute": 12}
